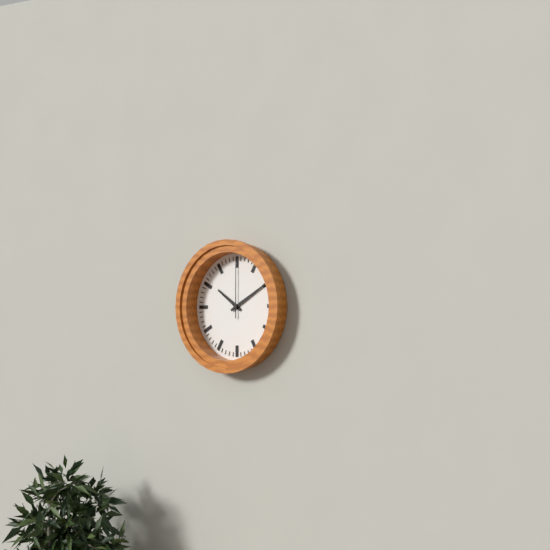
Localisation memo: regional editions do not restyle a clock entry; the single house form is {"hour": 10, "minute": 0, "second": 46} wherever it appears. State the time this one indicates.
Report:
{"hour": 10, "minute": 10, "second": 0}
